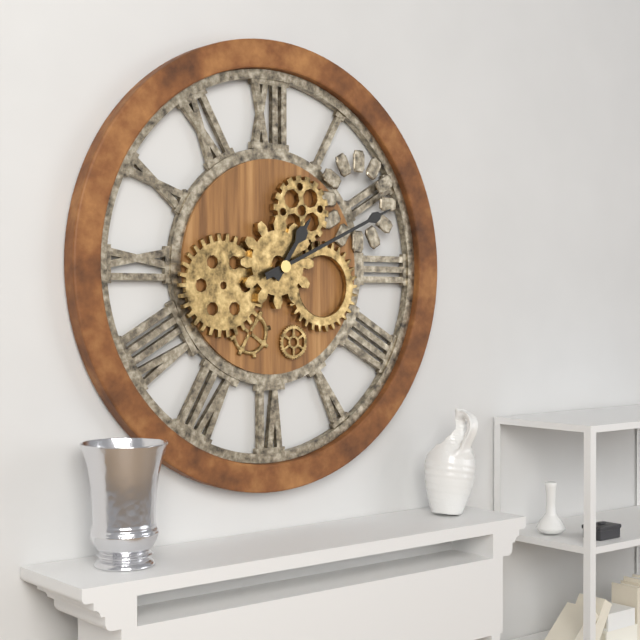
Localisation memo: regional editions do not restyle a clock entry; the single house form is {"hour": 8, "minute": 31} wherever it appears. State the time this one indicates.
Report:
{"hour": 1, "minute": 11}
